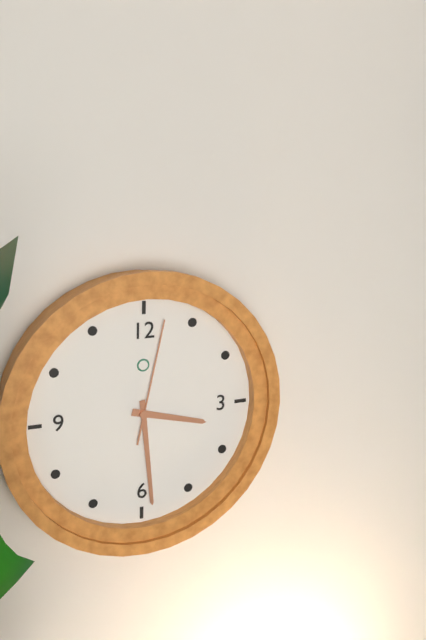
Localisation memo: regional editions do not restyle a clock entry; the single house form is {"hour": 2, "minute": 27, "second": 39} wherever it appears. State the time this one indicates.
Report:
{"hour": 3, "minute": 29, "second": 2}
